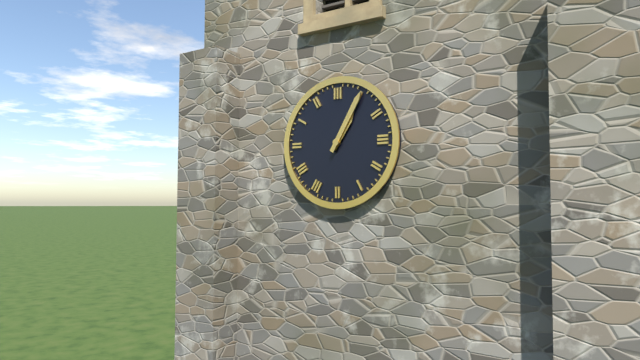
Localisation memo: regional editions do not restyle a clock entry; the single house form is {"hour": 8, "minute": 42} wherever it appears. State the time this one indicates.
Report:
{"hour": 1, "minute": 5}
